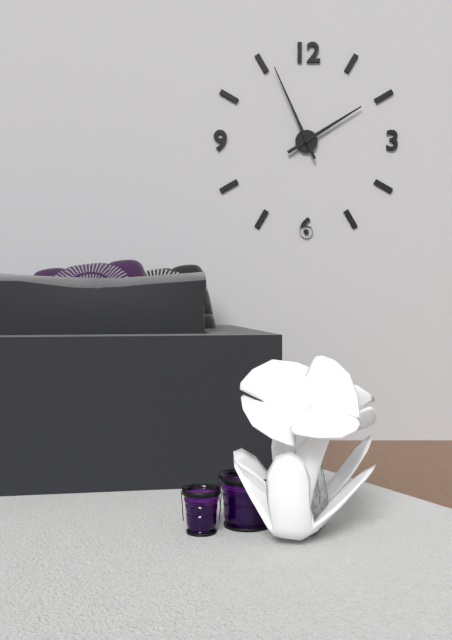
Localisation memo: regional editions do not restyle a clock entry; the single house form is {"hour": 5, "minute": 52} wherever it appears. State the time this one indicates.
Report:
{"hour": 1, "minute": 56}
